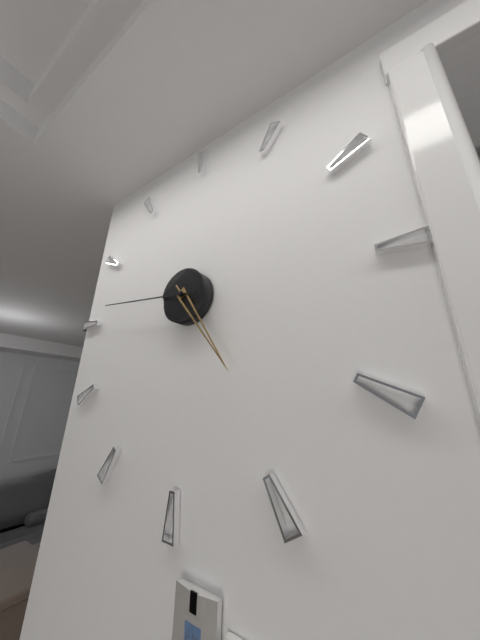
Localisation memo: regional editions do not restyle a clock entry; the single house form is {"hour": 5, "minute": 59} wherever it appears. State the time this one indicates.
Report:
{"hour": 4, "minute": 46}
